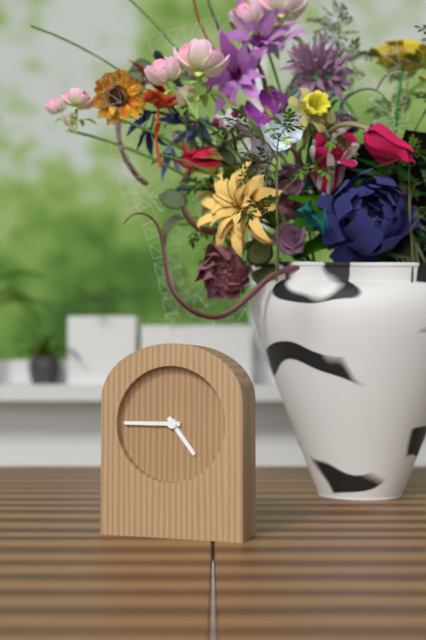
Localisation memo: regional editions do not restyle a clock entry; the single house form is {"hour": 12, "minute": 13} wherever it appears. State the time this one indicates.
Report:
{"hour": 4, "minute": 45}
